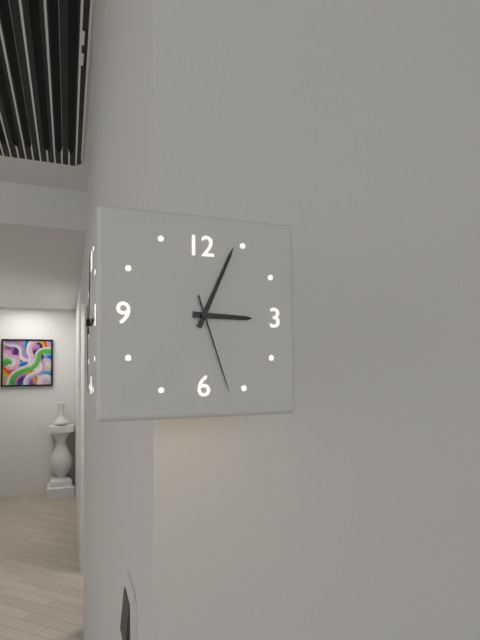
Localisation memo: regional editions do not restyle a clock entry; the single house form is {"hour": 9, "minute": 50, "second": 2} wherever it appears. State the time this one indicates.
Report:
{"hour": 3, "minute": 4, "second": 27}
